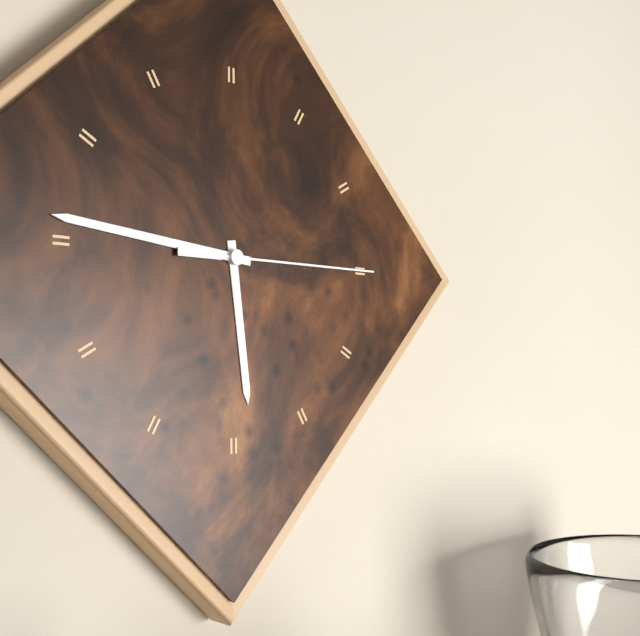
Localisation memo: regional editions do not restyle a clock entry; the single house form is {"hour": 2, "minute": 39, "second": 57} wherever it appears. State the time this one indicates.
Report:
{"hour": 5, "minute": 46, "second": 15}
